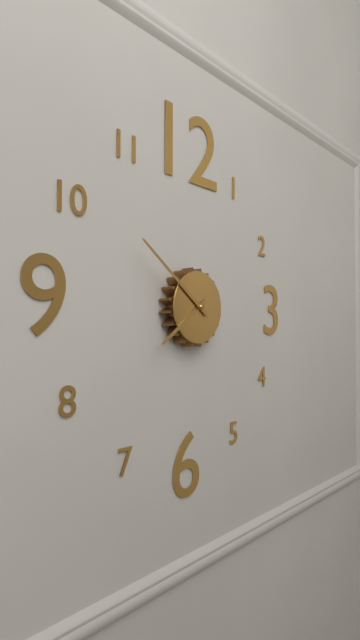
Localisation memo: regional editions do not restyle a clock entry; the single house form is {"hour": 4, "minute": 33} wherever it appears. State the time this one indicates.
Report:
{"hour": 7, "minute": 51}
